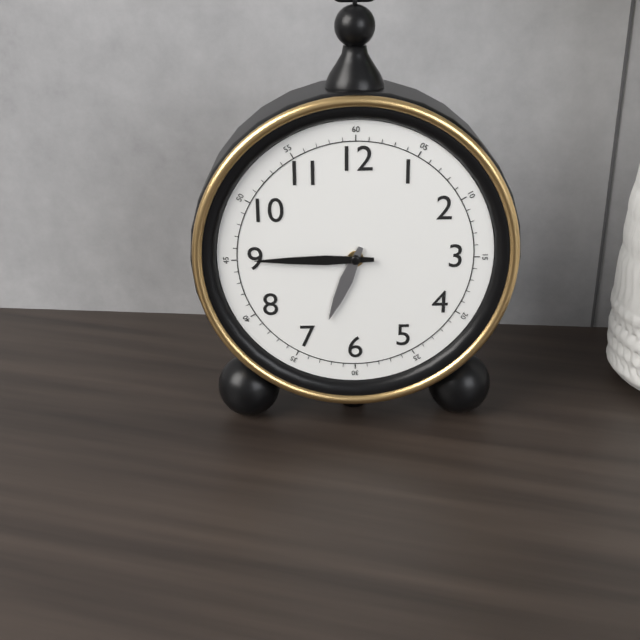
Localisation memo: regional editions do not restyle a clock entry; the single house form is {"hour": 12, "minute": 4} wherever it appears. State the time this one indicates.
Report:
{"hour": 6, "minute": 45}
